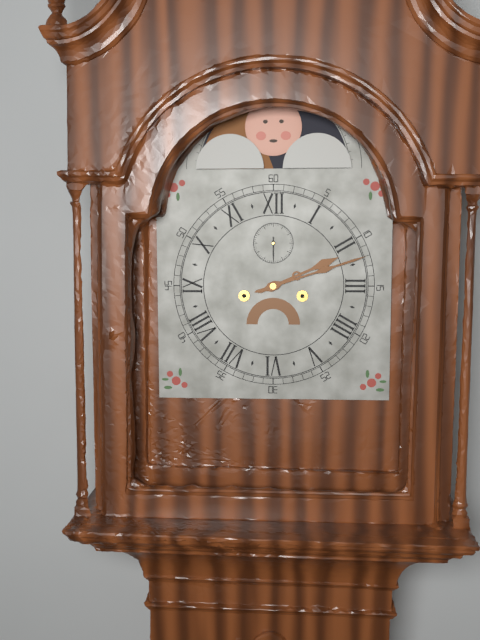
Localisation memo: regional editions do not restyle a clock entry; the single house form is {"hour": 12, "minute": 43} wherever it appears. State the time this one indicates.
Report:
{"hour": 2, "minute": 12}
